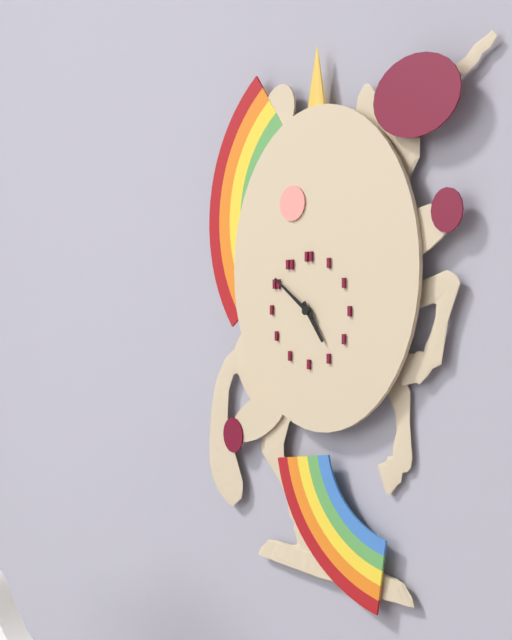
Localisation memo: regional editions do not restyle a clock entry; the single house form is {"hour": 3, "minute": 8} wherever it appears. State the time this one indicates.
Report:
{"hour": 4, "minute": 51}
